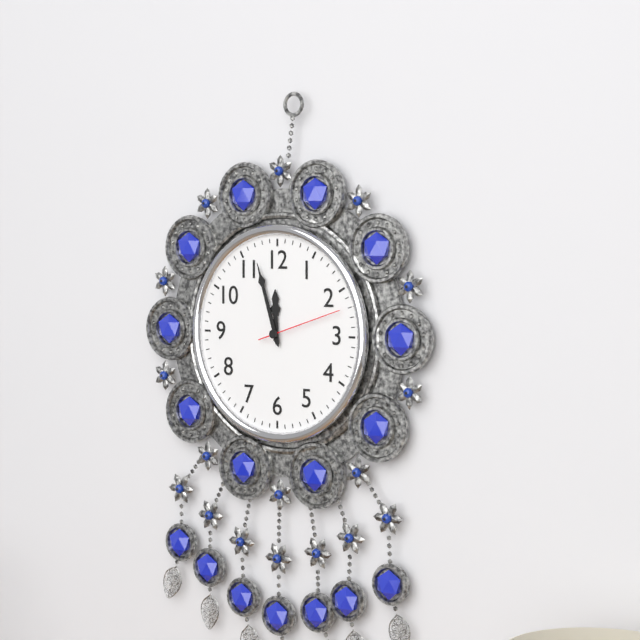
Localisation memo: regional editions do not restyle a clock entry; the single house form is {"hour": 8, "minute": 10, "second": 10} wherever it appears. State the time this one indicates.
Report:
{"hour": 11, "minute": 57, "second": 12}
